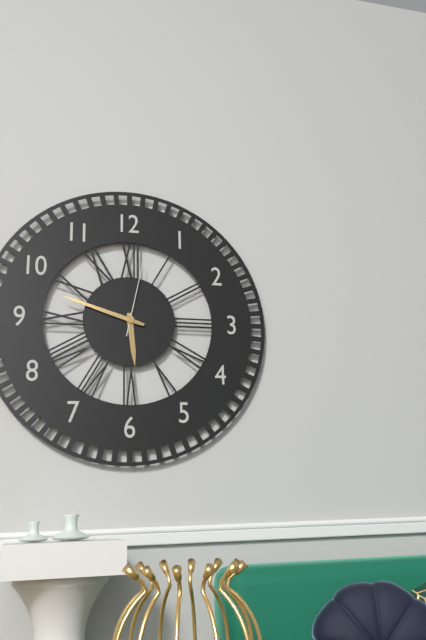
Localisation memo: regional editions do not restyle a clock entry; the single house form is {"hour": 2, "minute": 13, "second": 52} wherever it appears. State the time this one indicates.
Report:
{"hour": 5, "minute": 48, "second": 2}
